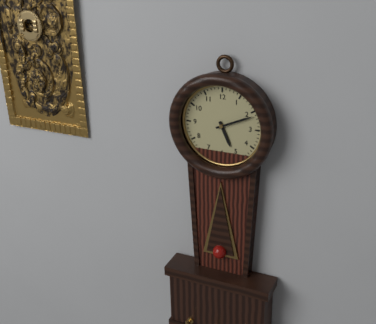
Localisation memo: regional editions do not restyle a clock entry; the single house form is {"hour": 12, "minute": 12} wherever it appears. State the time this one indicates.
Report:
{"hour": 5, "minute": 11}
